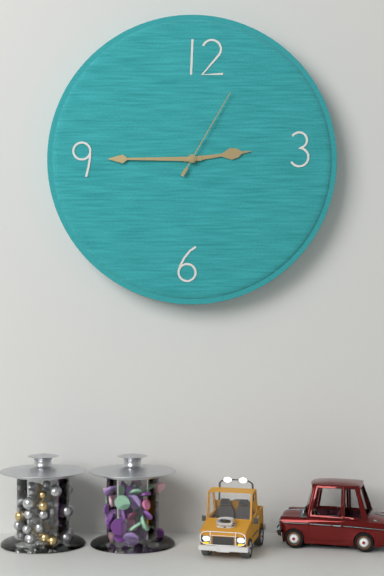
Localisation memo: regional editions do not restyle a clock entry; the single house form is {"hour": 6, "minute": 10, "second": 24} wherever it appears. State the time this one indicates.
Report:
{"hour": 2, "minute": 45, "second": 5}
